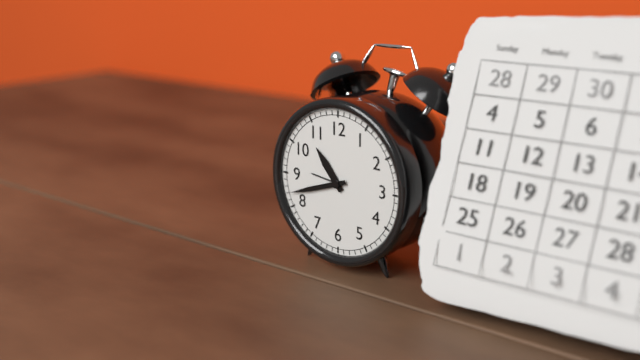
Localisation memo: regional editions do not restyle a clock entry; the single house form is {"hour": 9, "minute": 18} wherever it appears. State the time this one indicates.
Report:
{"hour": 10, "minute": 42}
